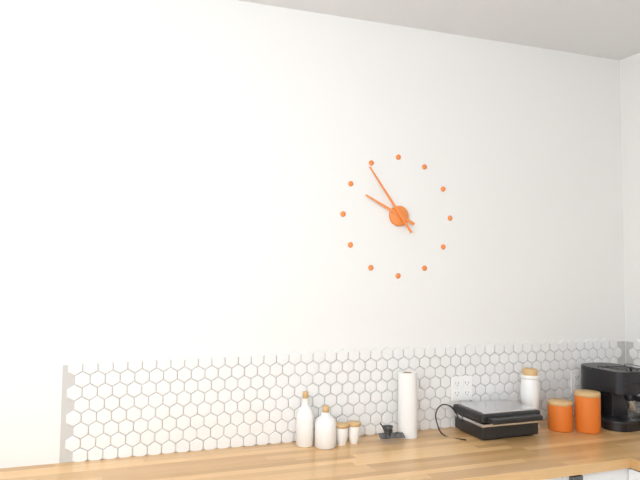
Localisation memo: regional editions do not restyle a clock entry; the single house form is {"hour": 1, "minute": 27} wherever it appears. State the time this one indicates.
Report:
{"hour": 9, "minute": 54}
